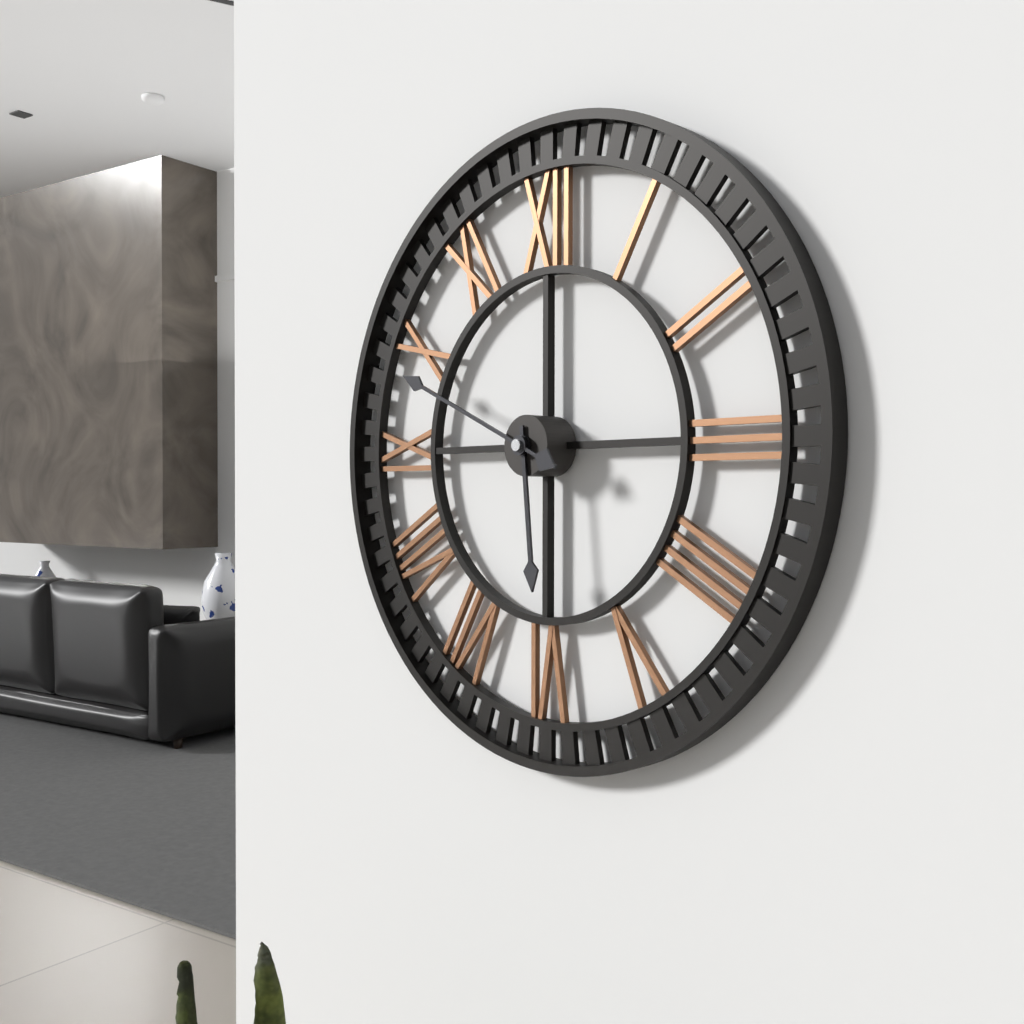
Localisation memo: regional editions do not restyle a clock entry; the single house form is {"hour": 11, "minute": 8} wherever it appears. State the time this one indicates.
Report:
{"hour": 5, "minute": 49}
